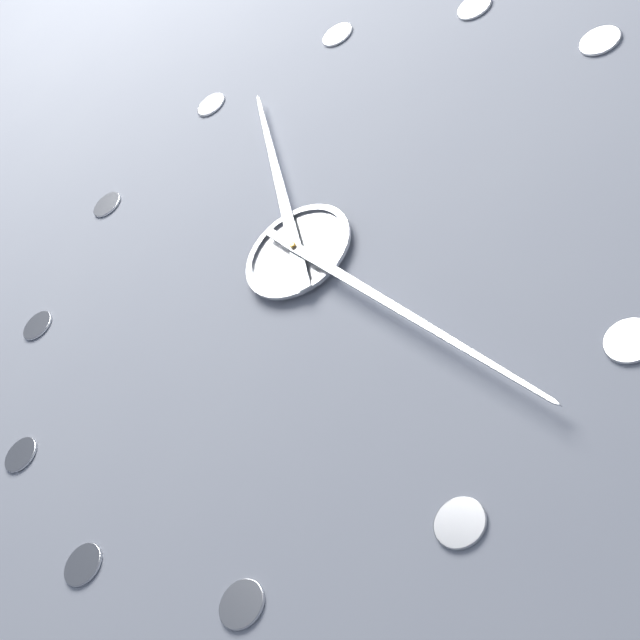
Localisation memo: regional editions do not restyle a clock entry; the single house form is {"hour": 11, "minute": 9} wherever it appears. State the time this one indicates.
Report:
{"hour": 11, "minute": 22}
